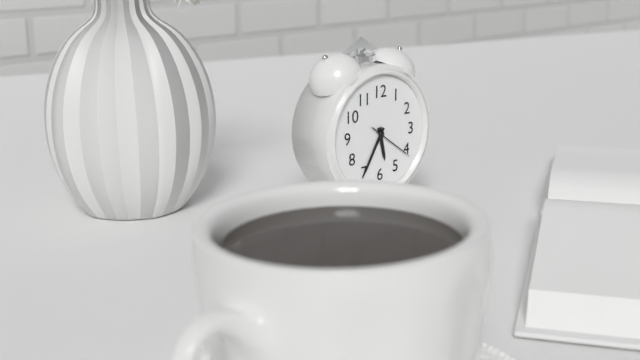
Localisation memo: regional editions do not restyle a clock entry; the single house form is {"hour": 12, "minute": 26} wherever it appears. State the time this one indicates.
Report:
{"hour": 5, "minute": 35}
